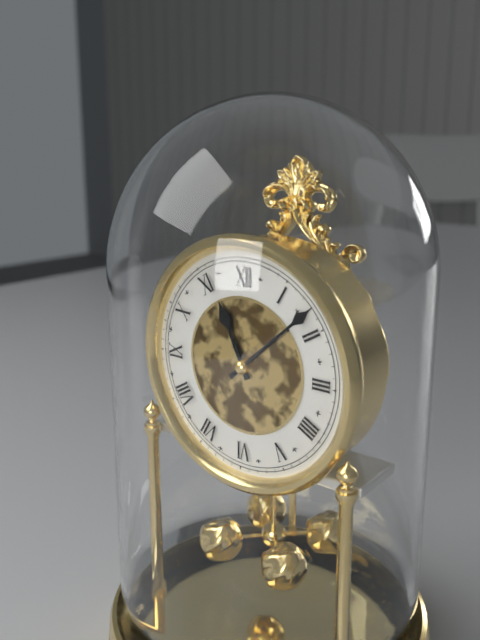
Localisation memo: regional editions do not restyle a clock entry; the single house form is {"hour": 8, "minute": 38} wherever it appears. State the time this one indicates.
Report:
{"hour": 11, "minute": 8}
